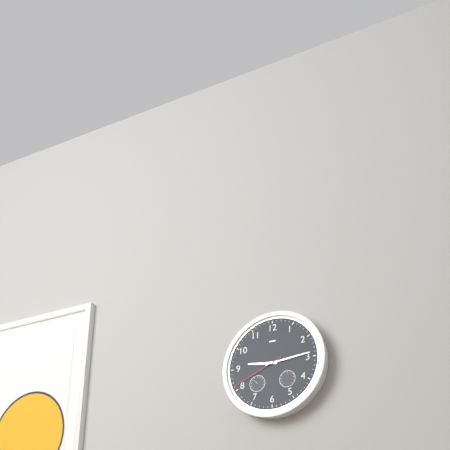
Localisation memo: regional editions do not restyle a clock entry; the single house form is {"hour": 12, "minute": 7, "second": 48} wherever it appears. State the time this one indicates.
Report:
{"hour": 9, "minute": 14, "second": 41}
